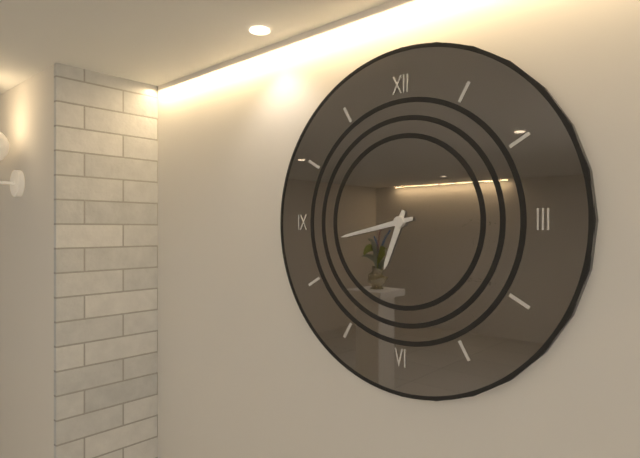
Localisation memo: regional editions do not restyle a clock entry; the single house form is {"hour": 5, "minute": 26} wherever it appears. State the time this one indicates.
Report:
{"hour": 6, "minute": 43}
